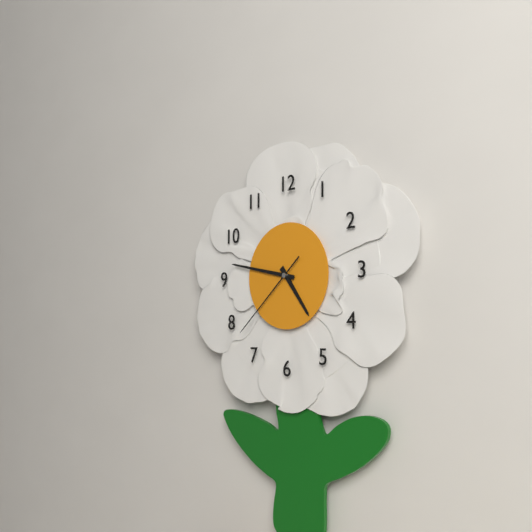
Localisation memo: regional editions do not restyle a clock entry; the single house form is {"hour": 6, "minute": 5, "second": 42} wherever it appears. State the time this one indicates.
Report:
{"hour": 4, "minute": 47, "second": 38}
